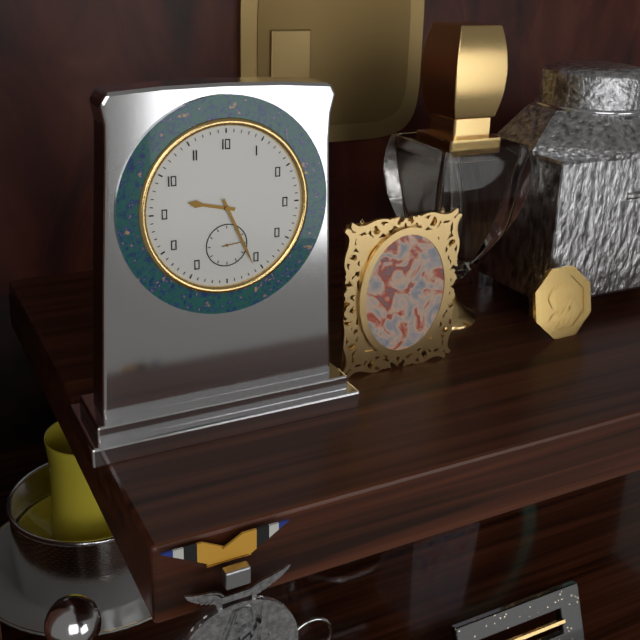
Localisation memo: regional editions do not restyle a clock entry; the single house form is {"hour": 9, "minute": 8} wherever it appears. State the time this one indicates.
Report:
{"hour": 9, "minute": 26}
